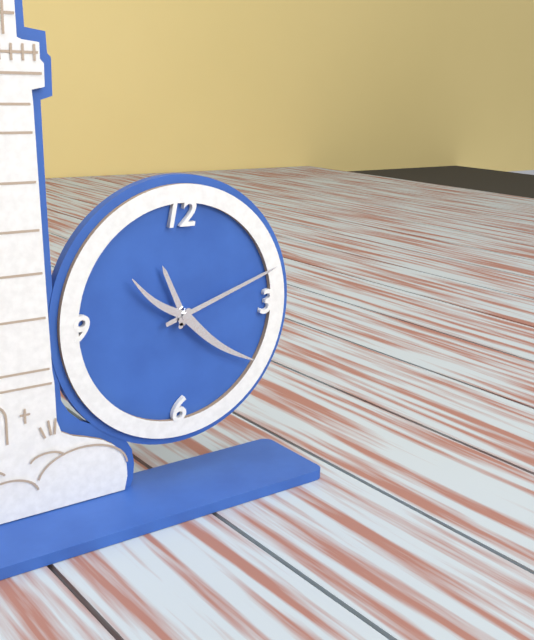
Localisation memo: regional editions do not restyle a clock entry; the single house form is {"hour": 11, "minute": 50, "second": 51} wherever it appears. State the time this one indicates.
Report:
{"hour": 11, "minute": 12, "second": 21}
